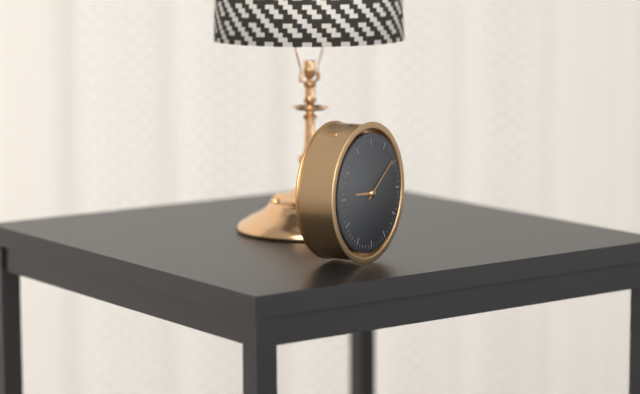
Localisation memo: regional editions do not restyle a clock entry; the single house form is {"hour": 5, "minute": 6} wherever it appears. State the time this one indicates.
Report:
{"hour": 9, "minute": 9}
